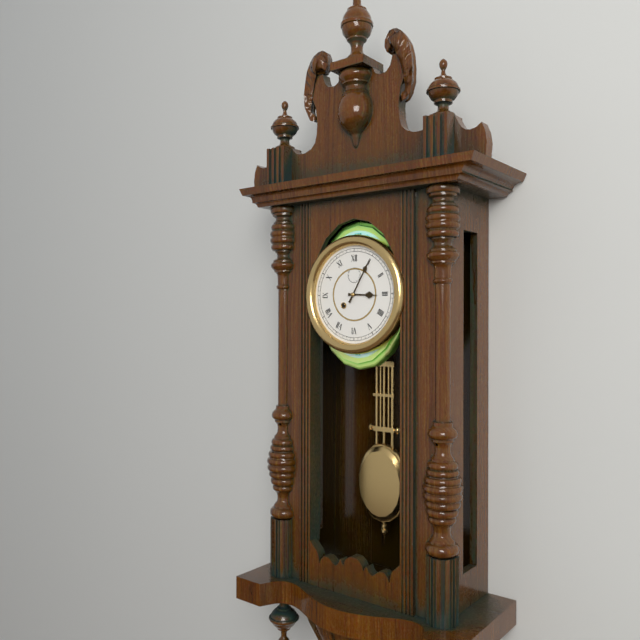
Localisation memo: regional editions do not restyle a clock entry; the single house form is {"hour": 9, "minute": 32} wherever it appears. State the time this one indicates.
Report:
{"hour": 3, "minute": 5}
